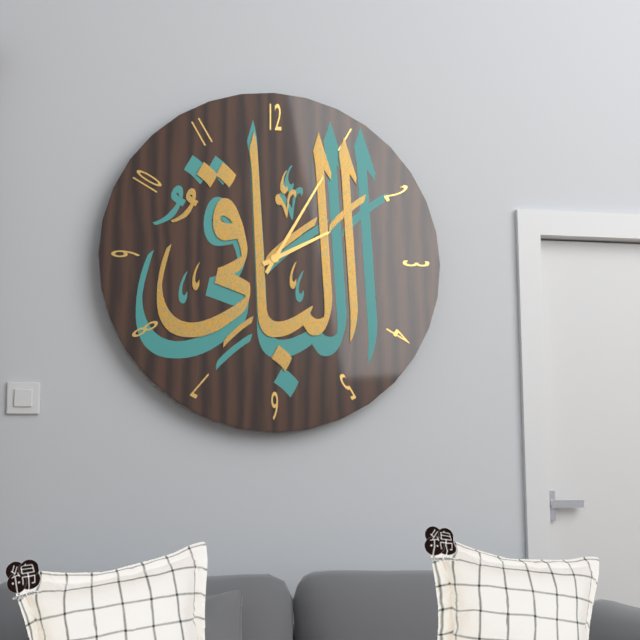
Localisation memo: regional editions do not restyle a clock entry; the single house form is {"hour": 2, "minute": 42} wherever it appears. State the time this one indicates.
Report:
{"hour": 2, "minute": 5}
